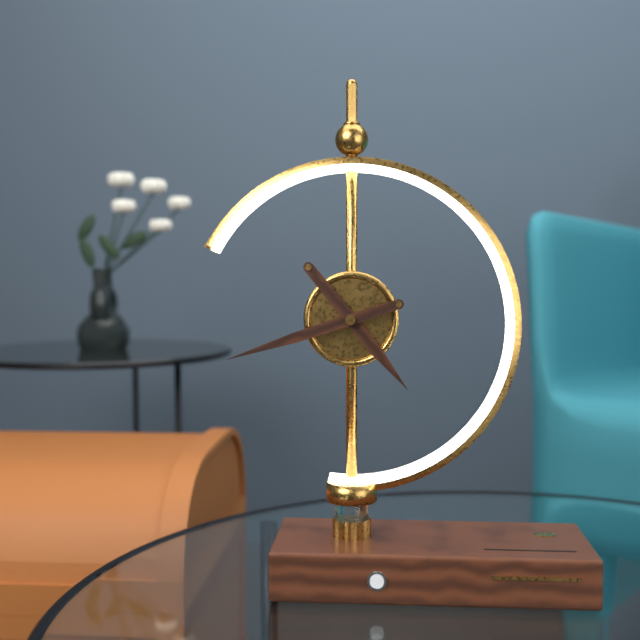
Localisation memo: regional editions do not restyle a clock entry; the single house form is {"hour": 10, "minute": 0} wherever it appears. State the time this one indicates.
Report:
{"hour": 4, "minute": 42}
